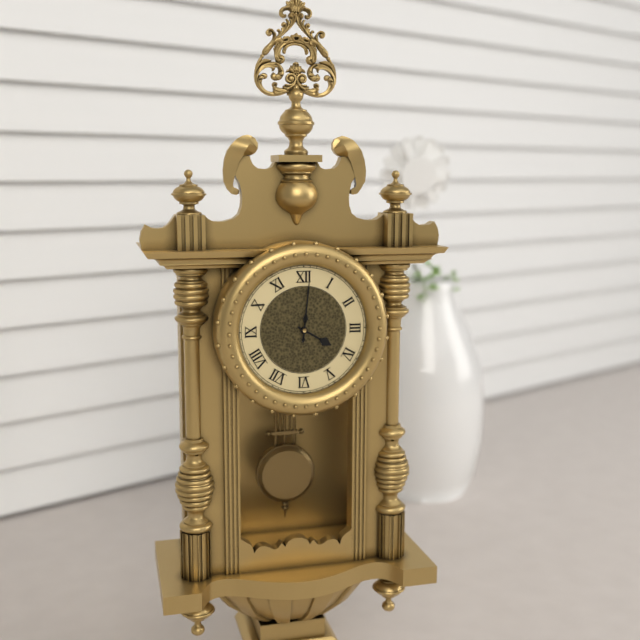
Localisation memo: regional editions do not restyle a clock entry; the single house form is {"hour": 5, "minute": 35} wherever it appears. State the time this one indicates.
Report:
{"hour": 4, "minute": 1}
